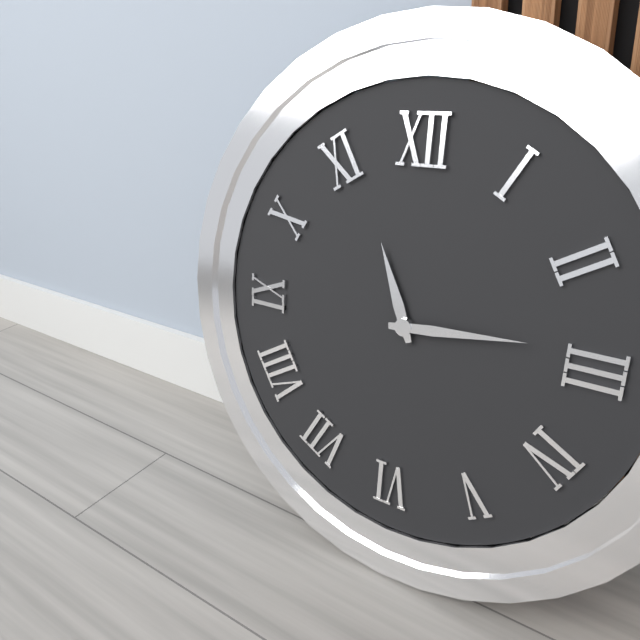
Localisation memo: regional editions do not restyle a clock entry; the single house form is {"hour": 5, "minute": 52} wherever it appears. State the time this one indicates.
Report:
{"hour": 11, "minute": 14}
